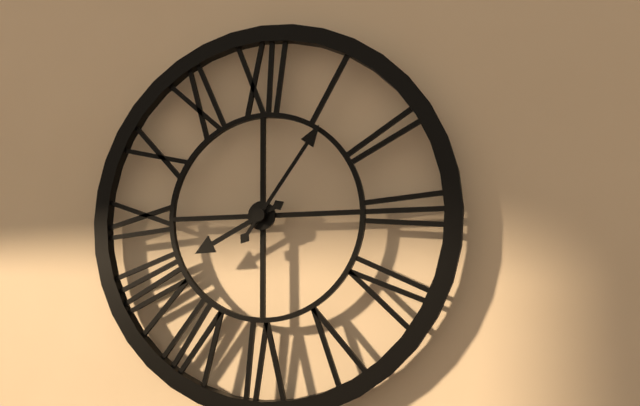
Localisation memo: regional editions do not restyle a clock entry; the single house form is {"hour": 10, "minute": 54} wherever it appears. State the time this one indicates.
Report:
{"hour": 8, "minute": 6}
